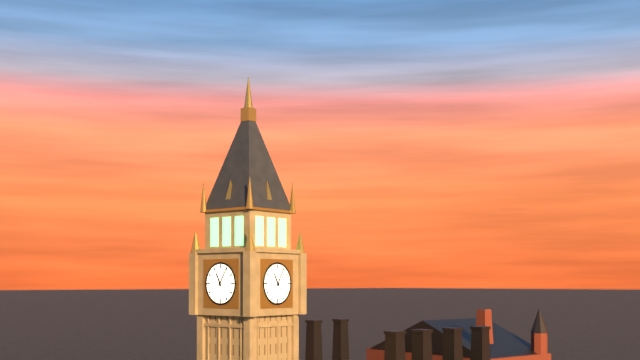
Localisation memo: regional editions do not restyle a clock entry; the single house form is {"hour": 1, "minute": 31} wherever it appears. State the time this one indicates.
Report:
{"hour": 11, "minute": 5}
